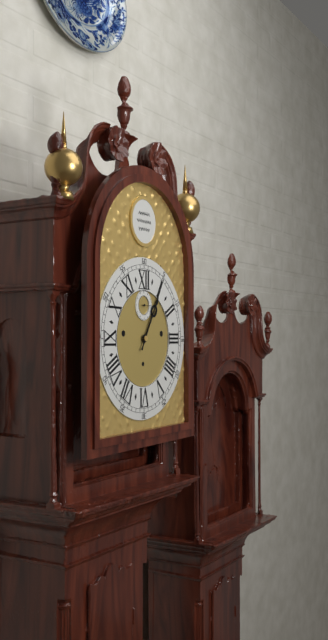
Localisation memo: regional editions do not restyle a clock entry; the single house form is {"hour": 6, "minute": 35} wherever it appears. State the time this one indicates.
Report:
{"hour": 1, "minute": 5}
